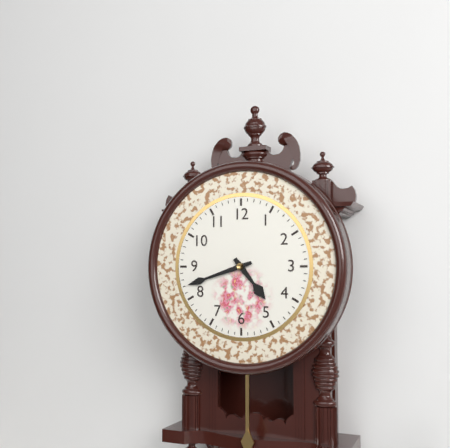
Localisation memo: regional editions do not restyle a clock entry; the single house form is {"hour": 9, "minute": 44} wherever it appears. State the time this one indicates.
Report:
{"hour": 4, "minute": 42}
